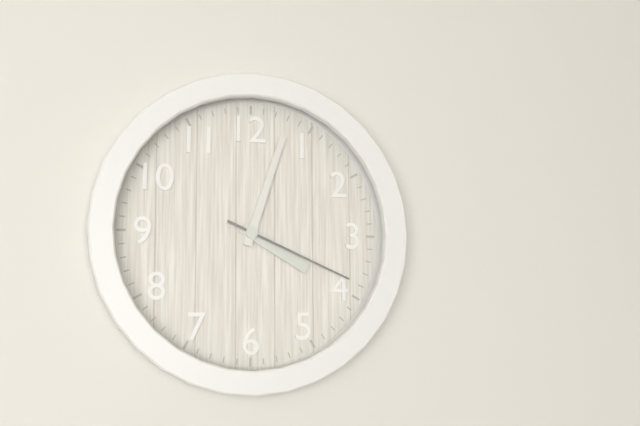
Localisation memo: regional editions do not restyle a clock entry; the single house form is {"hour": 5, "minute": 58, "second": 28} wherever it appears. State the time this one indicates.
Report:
{"hour": 4, "minute": 3, "second": 19}
